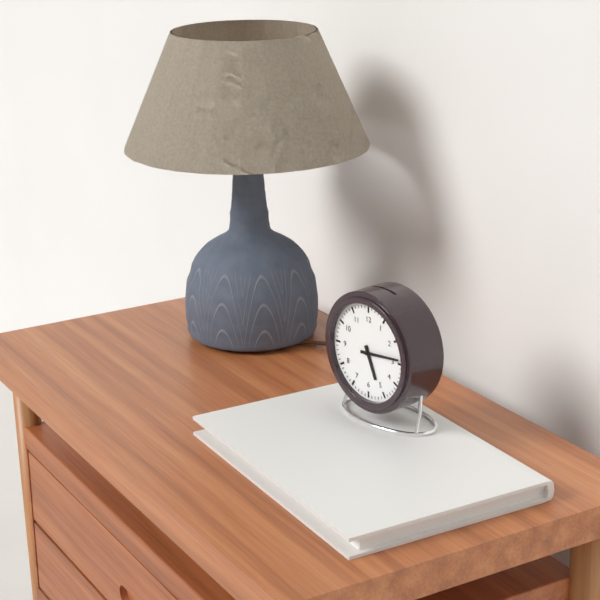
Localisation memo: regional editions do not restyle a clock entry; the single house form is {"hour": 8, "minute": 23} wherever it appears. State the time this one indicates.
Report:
{"hour": 5, "minute": 14}
